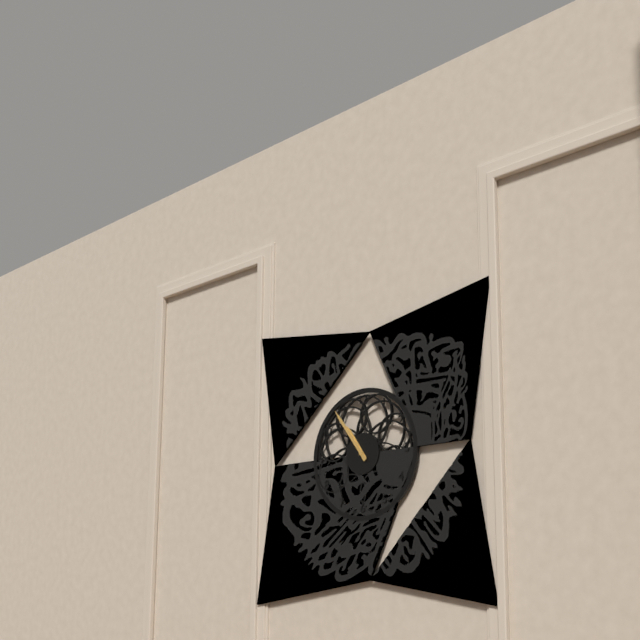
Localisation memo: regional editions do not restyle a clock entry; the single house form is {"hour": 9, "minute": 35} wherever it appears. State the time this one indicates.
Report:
{"hour": 10, "minute": 54}
